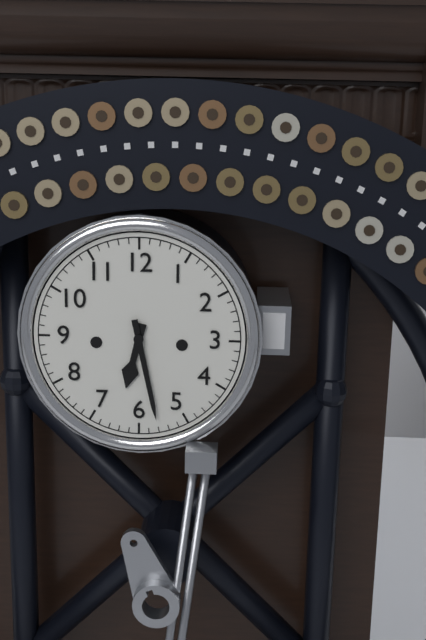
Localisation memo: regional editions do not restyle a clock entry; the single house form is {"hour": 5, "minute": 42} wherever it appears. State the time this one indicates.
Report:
{"hour": 6, "minute": 28}
